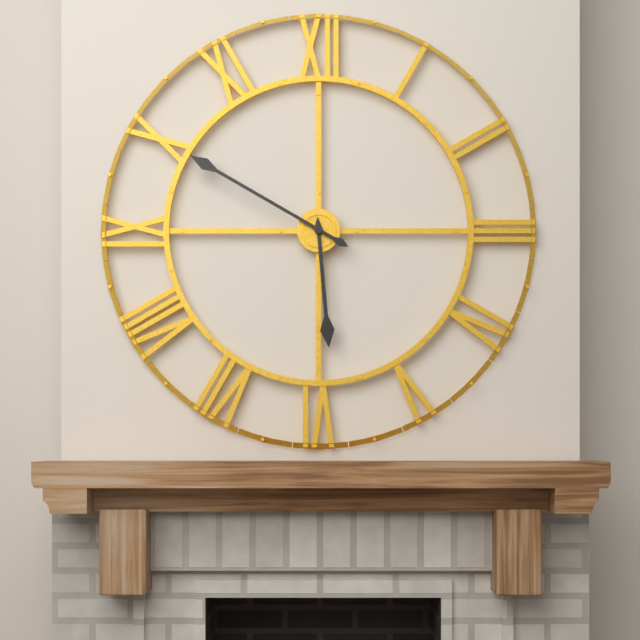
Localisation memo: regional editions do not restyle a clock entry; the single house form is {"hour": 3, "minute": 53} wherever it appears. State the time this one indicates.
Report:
{"hour": 5, "minute": 50}
